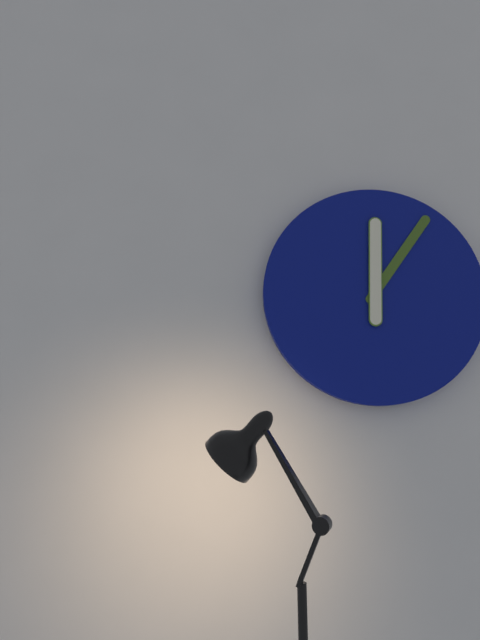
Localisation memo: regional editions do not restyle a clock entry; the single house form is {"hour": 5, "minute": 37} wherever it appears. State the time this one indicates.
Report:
{"hour": 12, "minute": 6}
